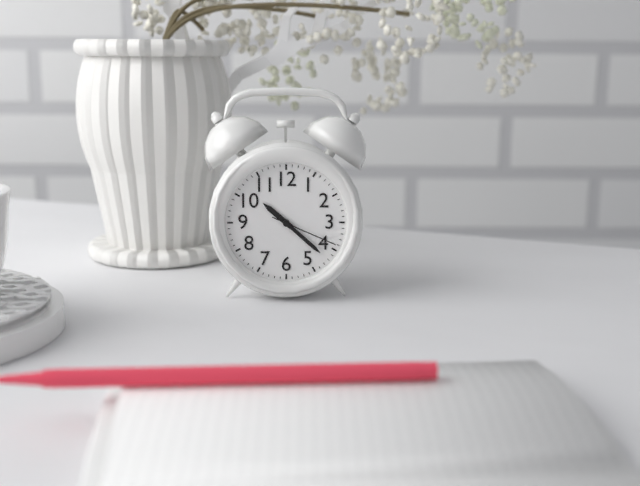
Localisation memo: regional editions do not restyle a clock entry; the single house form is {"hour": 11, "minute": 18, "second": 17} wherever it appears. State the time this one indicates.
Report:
{"hour": 10, "minute": 22, "second": 19}
